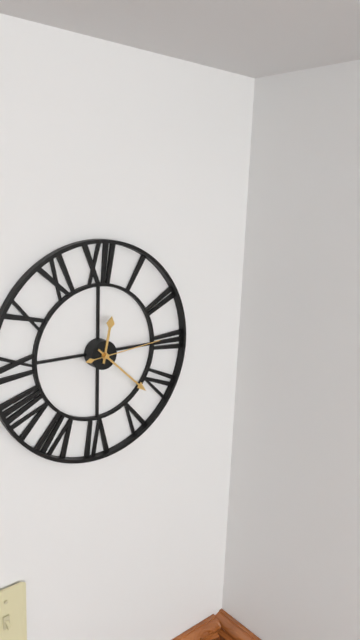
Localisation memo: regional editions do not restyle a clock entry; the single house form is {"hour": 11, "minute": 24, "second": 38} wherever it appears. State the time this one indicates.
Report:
{"hour": 12, "minute": 22, "second": 14}
